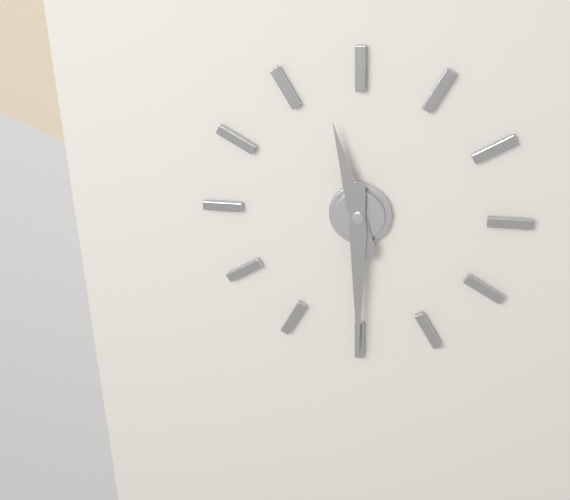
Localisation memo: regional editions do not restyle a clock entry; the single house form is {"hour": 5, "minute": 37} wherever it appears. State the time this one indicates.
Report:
{"hour": 11, "minute": 30}
